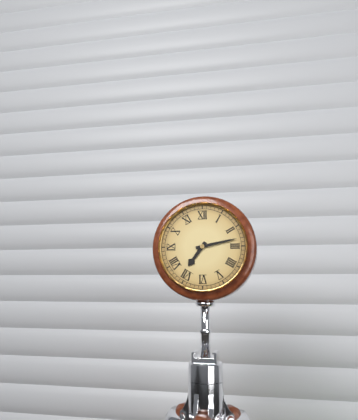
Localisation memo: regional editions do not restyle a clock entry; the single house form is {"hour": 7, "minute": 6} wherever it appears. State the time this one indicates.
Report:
{"hour": 7, "minute": 13}
